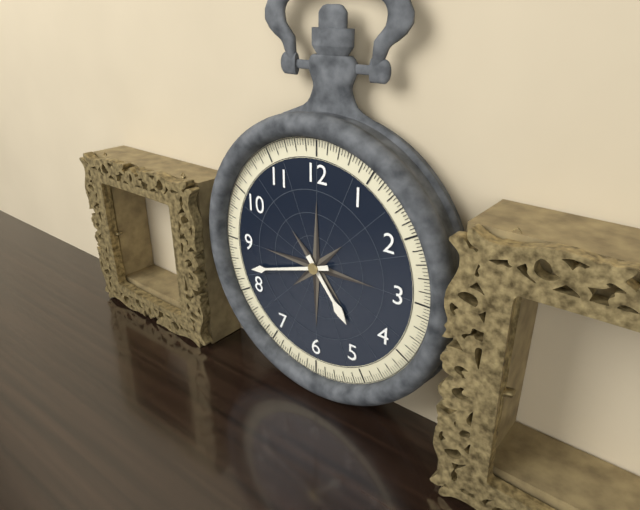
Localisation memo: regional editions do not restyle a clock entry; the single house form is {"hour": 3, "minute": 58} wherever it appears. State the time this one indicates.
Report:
{"hour": 4, "minute": 42}
